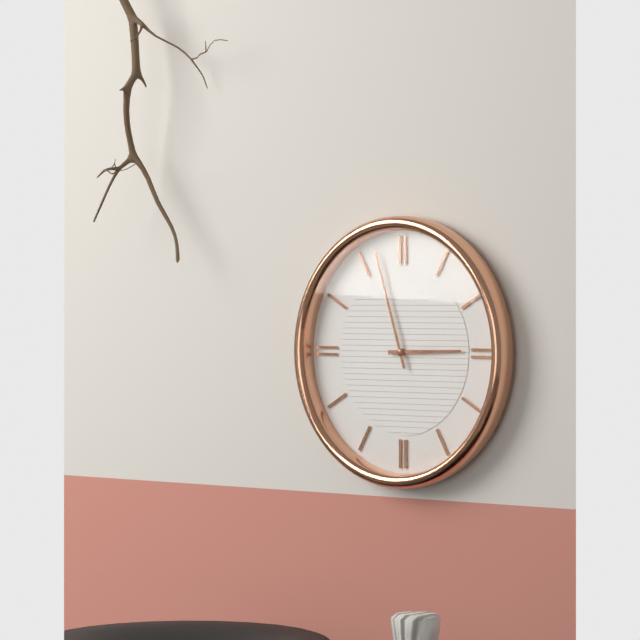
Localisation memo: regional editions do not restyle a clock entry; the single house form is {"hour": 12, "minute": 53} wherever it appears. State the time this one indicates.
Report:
{"hour": 2, "minute": 57}
